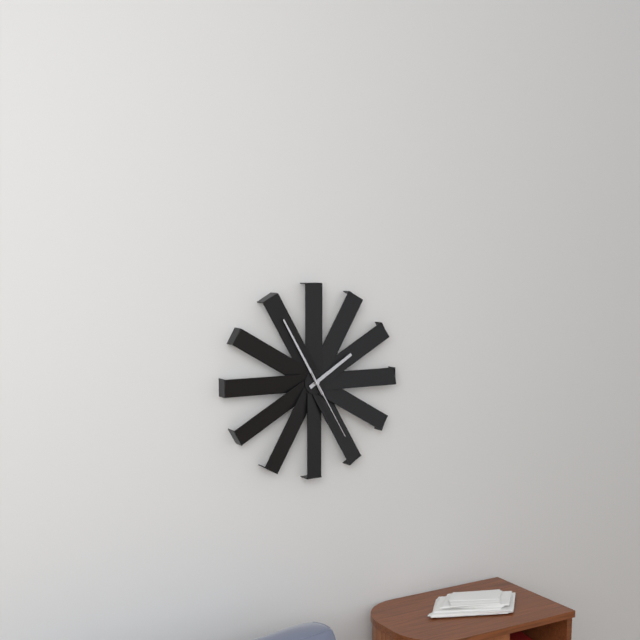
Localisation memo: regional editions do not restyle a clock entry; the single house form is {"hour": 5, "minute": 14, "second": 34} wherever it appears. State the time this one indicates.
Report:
{"hour": 1, "minute": 55, "second": 25}
